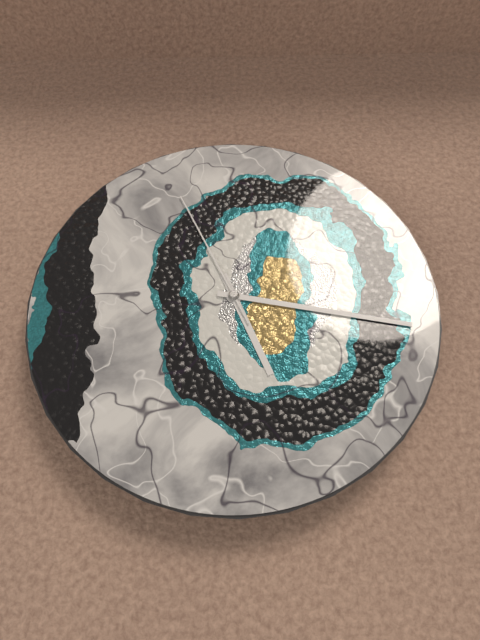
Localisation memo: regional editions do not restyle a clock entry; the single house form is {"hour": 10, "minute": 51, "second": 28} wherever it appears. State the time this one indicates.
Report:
{"hour": 5, "minute": 17, "second": 56}
